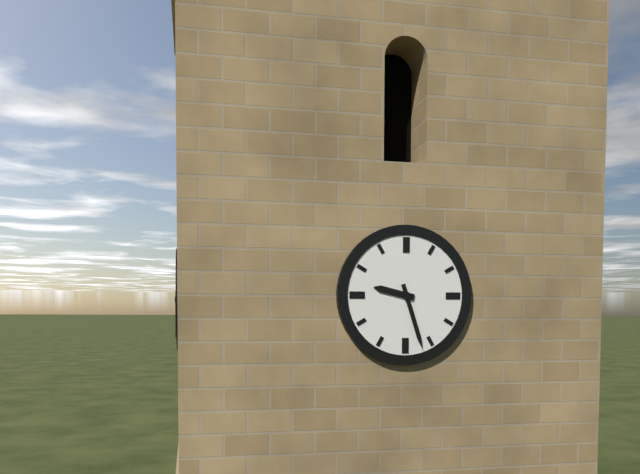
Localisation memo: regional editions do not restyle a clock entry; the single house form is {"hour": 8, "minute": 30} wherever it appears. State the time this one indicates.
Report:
{"hour": 9, "minute": 27}
